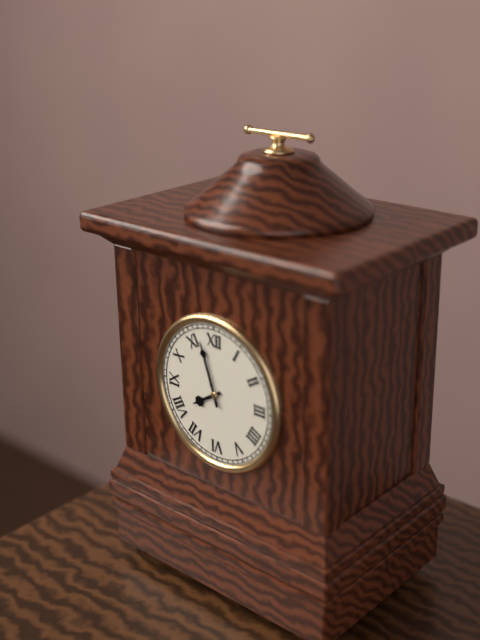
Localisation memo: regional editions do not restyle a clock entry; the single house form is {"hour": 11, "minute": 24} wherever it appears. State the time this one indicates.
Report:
{"hour": 7, "minute": 57}
